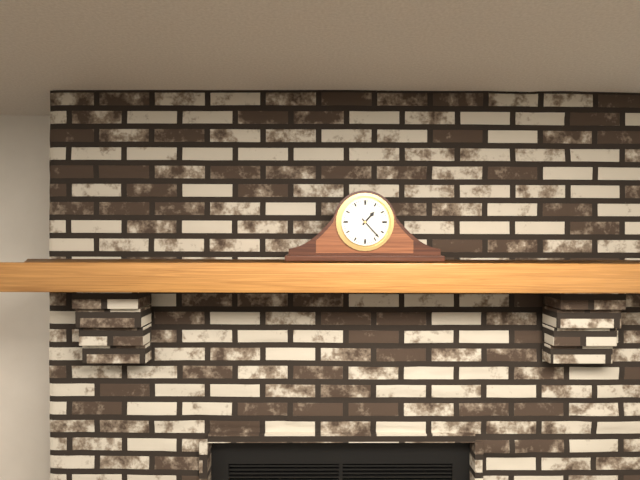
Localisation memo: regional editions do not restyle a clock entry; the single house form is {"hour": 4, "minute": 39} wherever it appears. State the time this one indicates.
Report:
{"hour": 1, "minute": 23}
